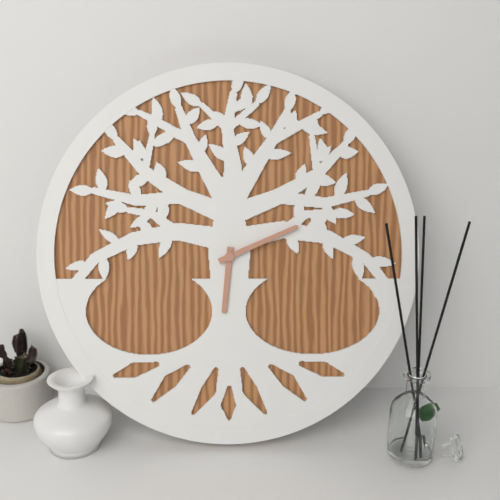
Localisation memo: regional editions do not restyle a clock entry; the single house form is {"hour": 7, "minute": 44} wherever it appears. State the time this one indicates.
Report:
{"hour": 6, "minute": 11}
